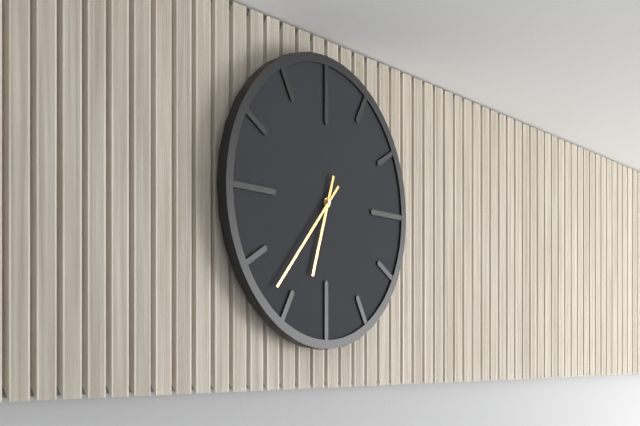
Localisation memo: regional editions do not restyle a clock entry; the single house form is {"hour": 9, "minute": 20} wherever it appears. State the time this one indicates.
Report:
{"hour": 6, "minute": 37}
